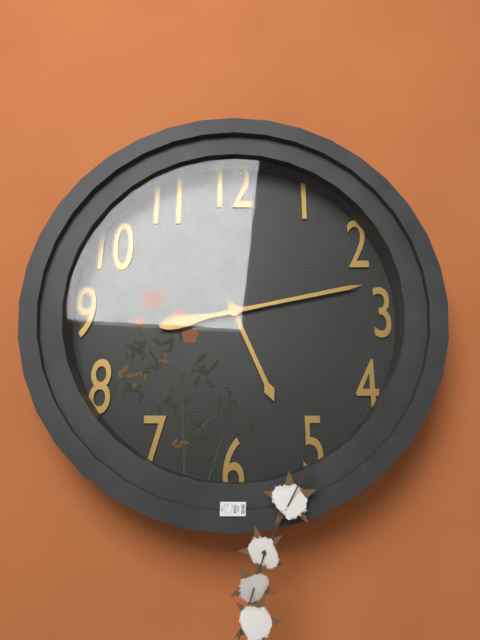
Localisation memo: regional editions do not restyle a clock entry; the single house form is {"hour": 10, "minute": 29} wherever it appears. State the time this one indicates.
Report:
{"hour": 5, "minute": 13}
